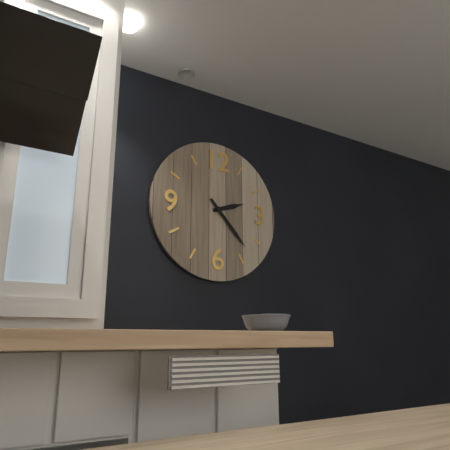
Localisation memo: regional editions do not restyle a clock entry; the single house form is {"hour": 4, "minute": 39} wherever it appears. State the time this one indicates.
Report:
{"hour": 2, "minute": 23}
